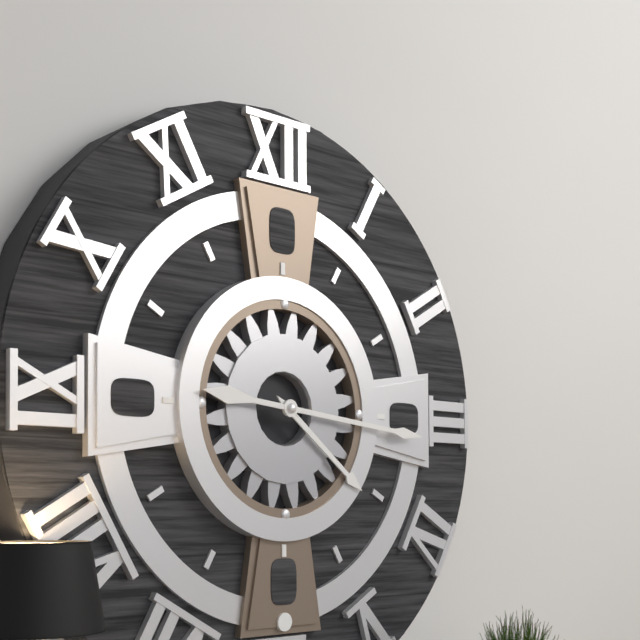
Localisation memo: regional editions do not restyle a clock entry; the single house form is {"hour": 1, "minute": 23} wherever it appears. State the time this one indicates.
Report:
{"hour": 4, "minute": 16}
